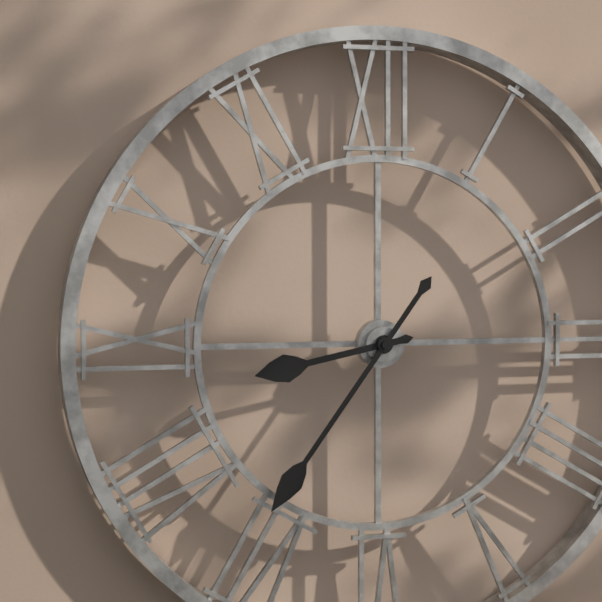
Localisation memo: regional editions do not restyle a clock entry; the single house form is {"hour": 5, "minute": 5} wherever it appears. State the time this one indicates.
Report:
{"hour": 8, "minute": 36}
